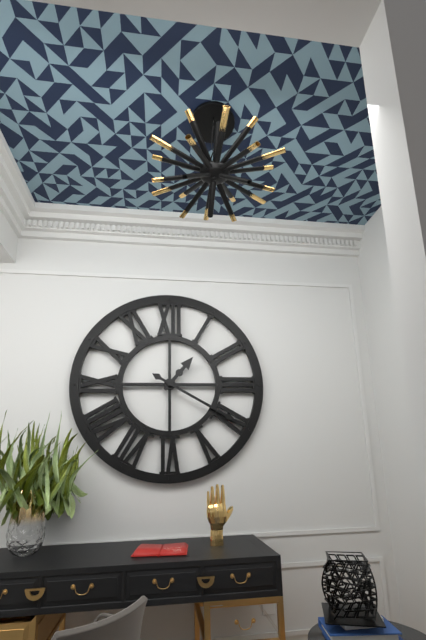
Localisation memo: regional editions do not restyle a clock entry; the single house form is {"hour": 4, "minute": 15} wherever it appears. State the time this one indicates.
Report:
{"hour": 1, "minute": 20}
